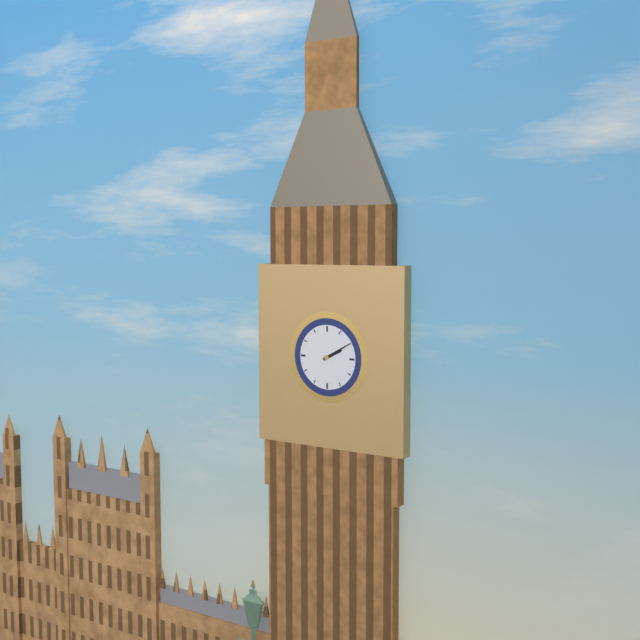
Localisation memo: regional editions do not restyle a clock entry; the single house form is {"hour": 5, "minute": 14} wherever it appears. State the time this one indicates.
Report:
{"hour": 2, "minute": 10}
